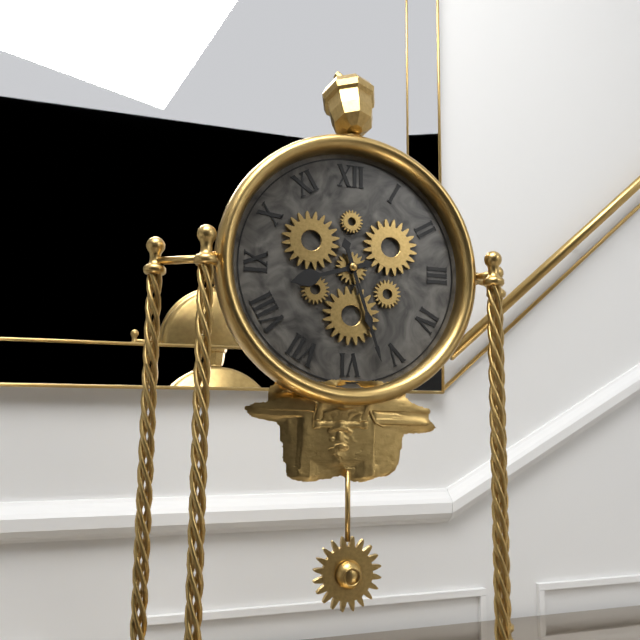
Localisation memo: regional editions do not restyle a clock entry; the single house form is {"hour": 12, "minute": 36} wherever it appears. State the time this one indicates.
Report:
{"hour": 8, "minute": 27}
